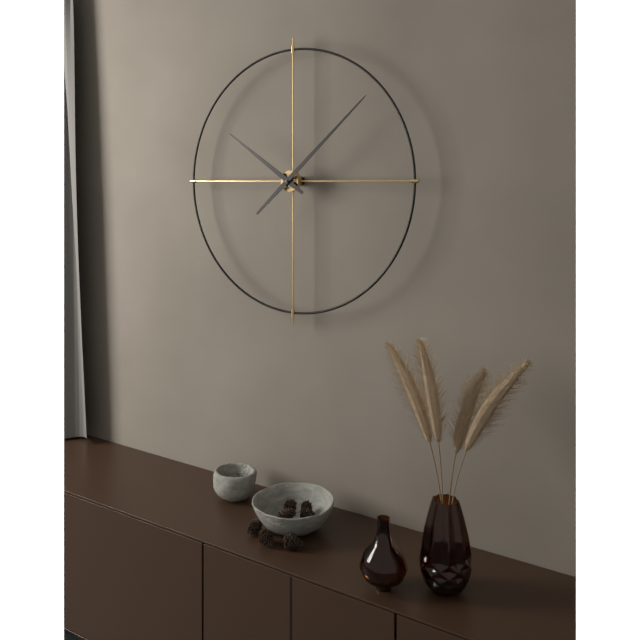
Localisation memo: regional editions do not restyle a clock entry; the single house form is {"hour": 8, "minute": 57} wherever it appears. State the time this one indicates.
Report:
{"hour": 10, "minute": 8}
